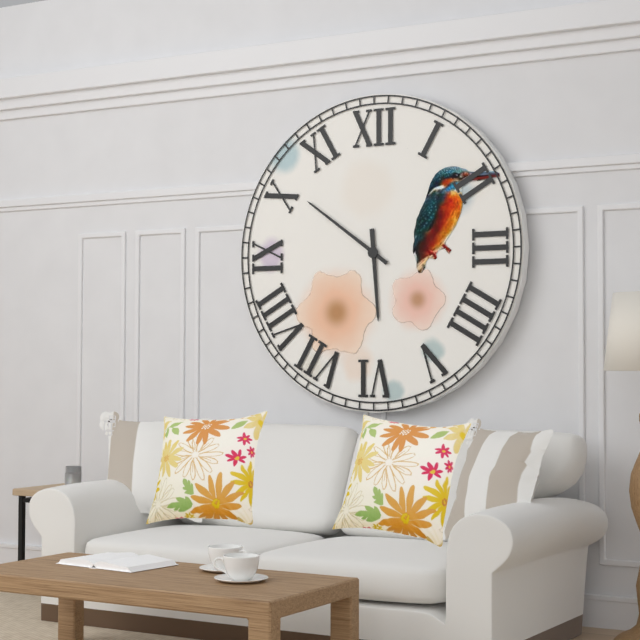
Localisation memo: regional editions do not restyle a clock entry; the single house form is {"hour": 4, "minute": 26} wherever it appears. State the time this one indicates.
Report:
{"hour": 5, "minute": 51}
